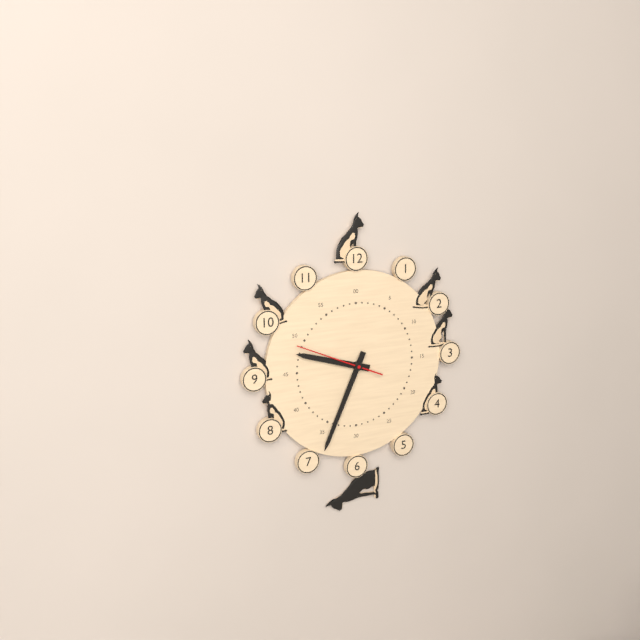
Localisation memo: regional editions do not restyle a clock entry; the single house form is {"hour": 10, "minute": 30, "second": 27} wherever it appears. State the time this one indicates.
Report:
{"hour": 9, "minute": 34, "second": 49}
